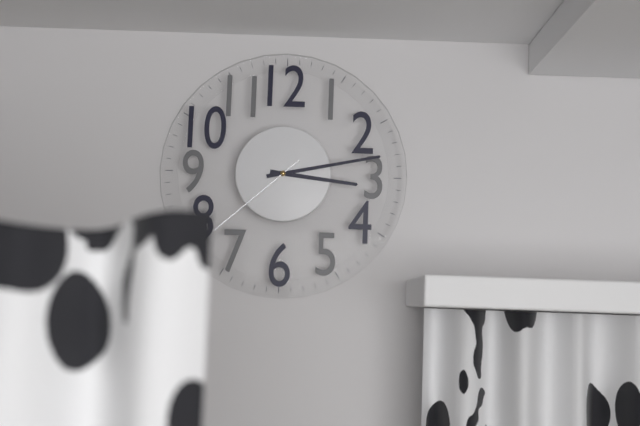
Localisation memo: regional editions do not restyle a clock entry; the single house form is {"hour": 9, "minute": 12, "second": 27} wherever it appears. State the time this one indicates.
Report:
{"hour": 3, "minute": 13, "second": 38}
